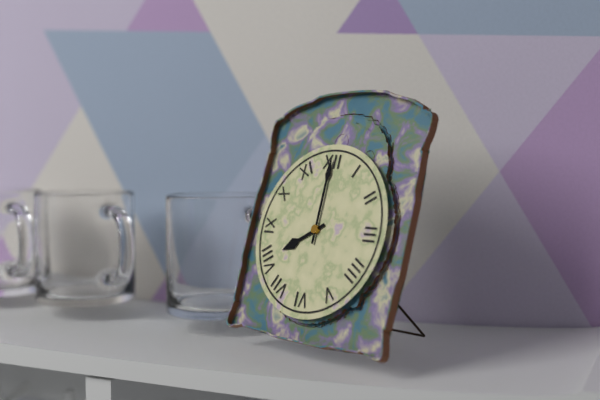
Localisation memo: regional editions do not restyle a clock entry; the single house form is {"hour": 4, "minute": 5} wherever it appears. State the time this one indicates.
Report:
{"hour": 8, "minute": 0}
